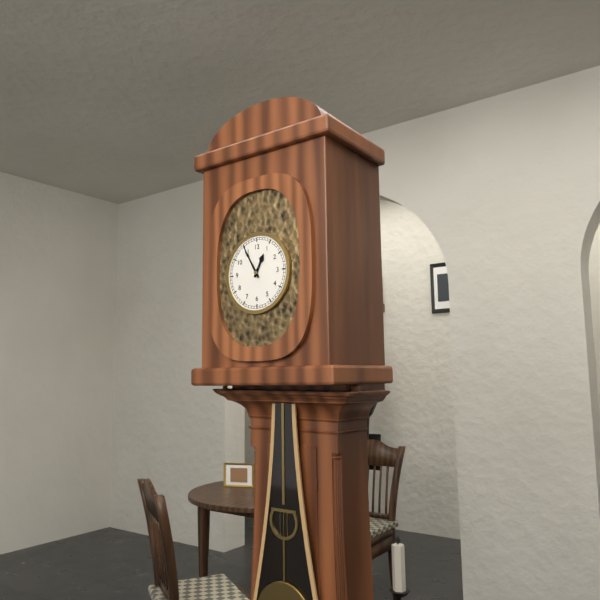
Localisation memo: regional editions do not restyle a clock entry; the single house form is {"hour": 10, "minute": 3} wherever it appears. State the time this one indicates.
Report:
{"hour": 12, "minute": 55}
